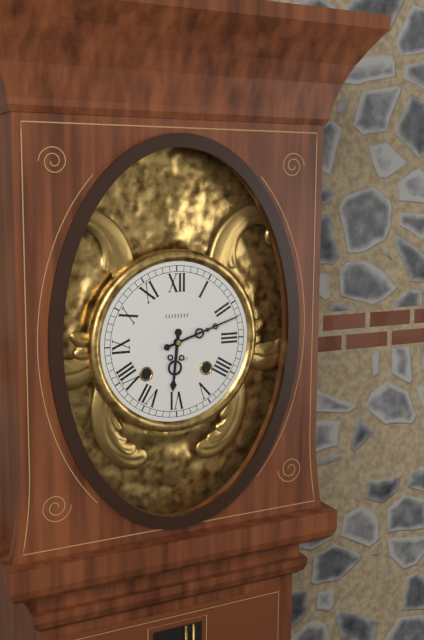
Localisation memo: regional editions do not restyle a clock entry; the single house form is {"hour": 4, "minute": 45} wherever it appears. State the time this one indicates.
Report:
{"hour": 6, "minute": 12}
